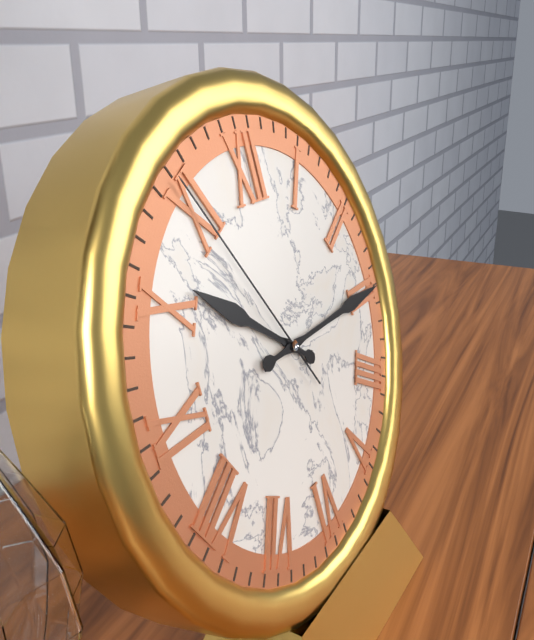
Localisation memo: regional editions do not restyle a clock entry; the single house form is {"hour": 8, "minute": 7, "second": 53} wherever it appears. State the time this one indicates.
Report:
{"hour": 10, "minute": 15, "second": 55}
